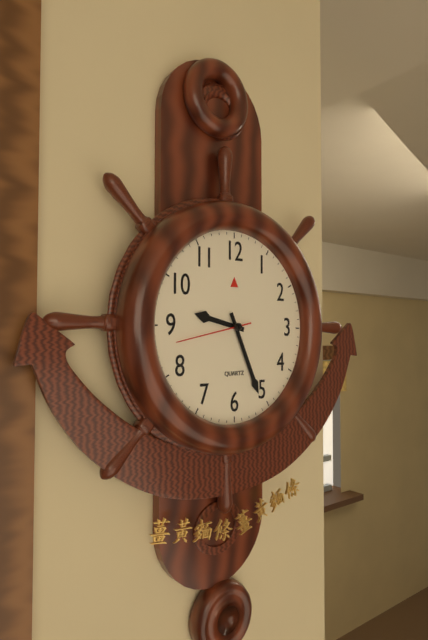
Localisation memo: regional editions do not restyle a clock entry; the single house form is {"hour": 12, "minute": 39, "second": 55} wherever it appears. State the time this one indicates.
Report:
{"hour": 9, "minute": 26, "second": 43}
